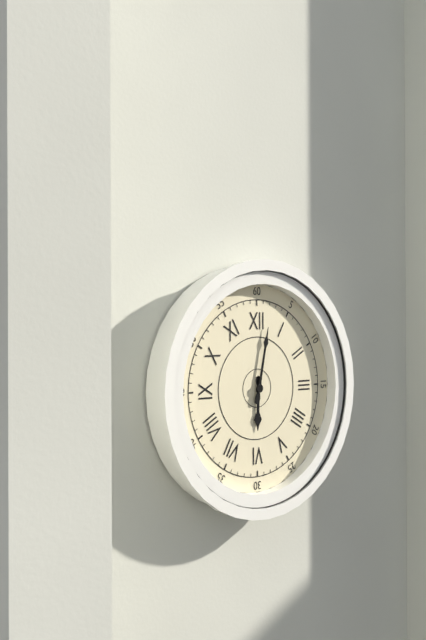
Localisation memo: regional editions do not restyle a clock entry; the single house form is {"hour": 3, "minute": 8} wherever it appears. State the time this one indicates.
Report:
{"hour": 6, "minute": 2}
